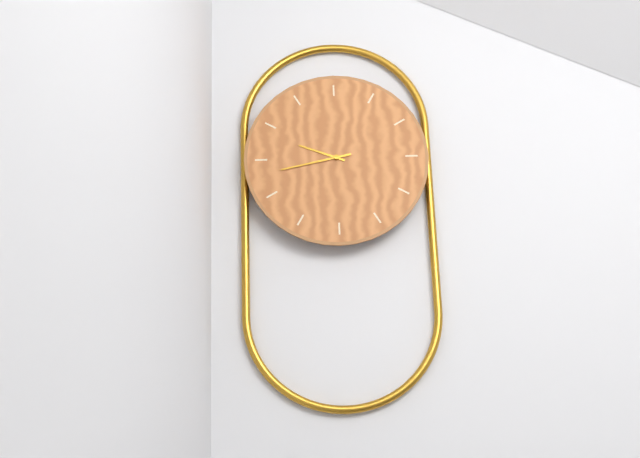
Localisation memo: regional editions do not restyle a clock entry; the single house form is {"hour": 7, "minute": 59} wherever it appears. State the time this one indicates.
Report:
{"hour": 9, "minute": 43}
